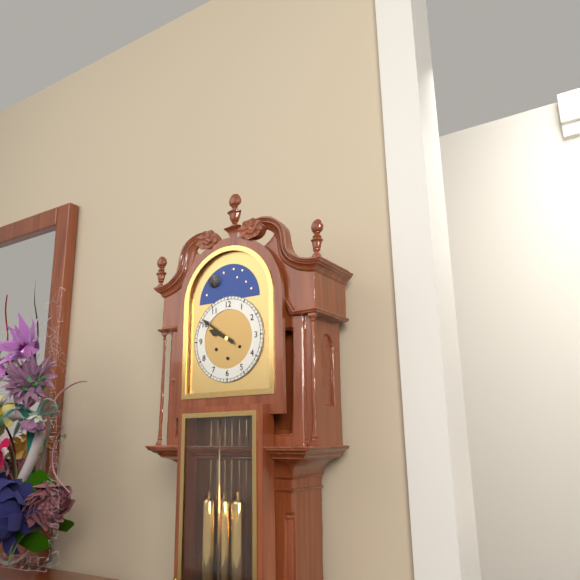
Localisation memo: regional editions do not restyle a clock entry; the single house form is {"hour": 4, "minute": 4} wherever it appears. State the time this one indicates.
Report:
{"hour": 9, "minute": 51}
